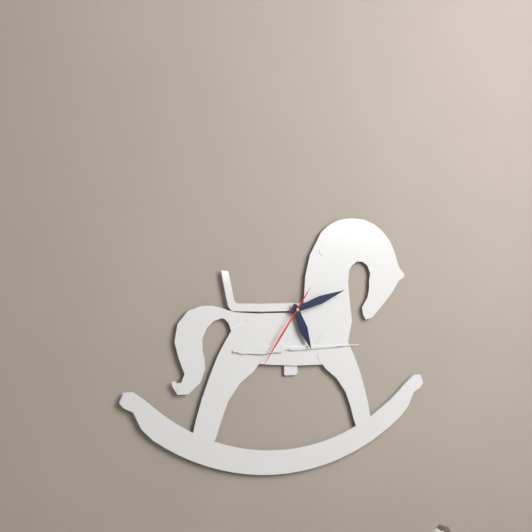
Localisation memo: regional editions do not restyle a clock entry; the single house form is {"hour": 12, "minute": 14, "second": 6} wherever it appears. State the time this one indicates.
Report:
{"hour": 5, "minute": 12, "second": 36}
